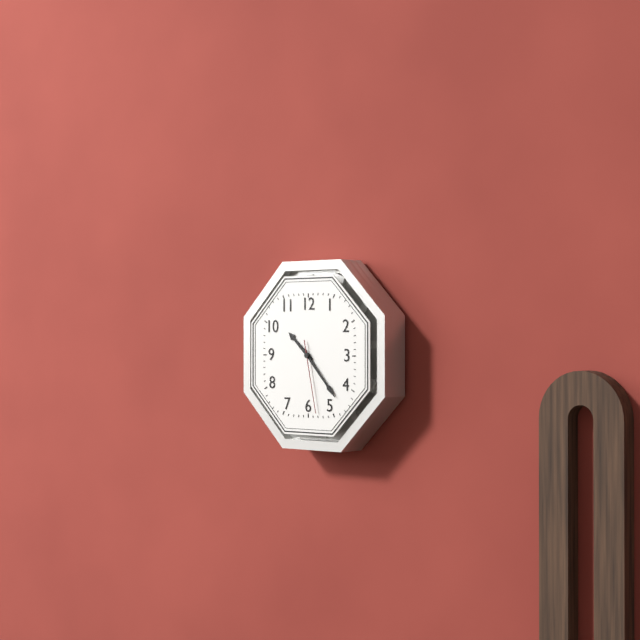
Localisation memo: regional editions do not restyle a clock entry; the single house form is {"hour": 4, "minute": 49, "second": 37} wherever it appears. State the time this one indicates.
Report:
{"hour": 10, "minute": 23, "second": 28}
